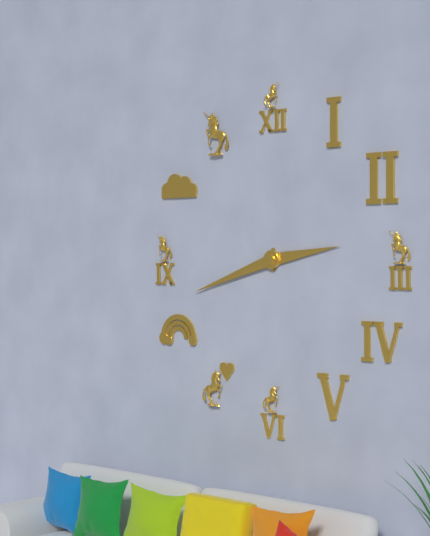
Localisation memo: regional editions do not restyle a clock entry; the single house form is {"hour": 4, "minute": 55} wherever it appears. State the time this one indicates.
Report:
{"hour": 2, "minute": 42}
